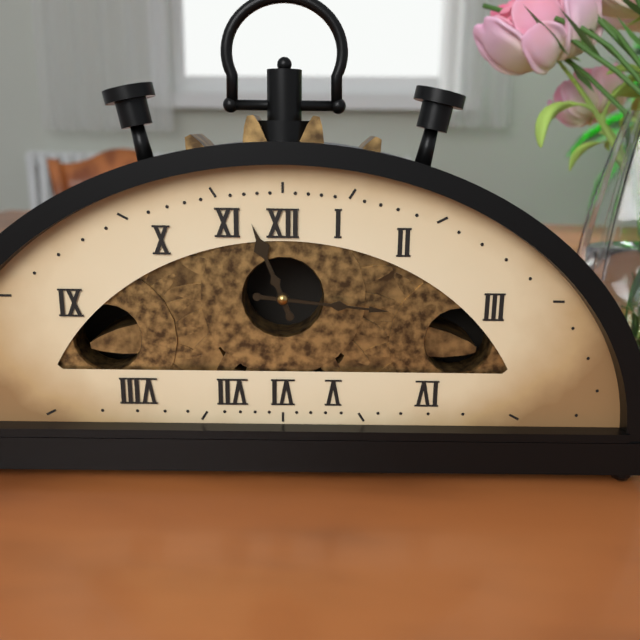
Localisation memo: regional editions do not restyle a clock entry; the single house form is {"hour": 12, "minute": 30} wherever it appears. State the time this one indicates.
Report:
{"hour": 11, "minute": 16}
